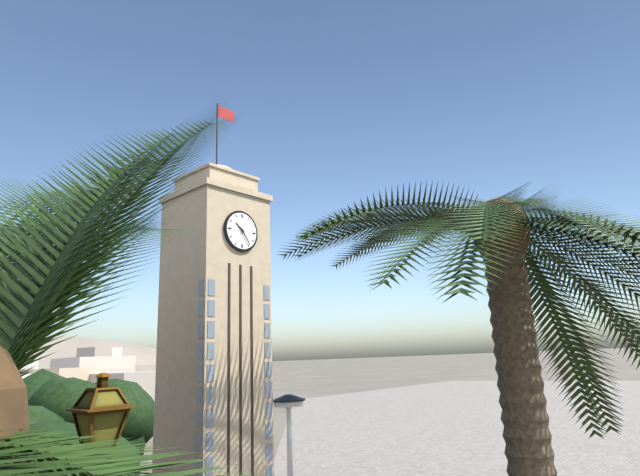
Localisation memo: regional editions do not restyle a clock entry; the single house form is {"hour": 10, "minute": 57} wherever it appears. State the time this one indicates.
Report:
{"hour": 10, "minute": 24}
